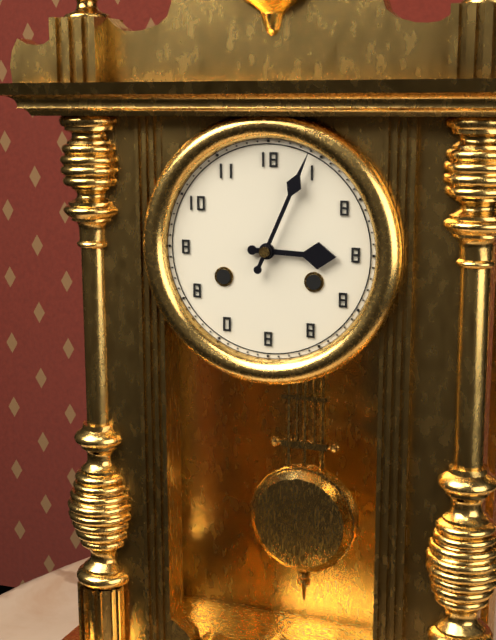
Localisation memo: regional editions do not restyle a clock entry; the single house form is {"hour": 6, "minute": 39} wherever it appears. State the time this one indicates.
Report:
{"hour": 3, "minute": 4}
